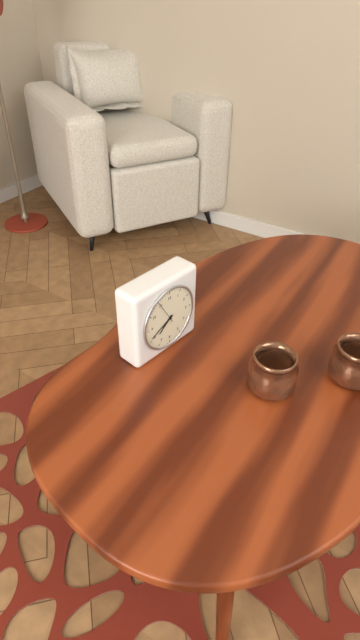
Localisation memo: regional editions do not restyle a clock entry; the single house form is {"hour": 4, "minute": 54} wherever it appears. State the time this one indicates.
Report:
{"hour": 7, "minute": 41}
